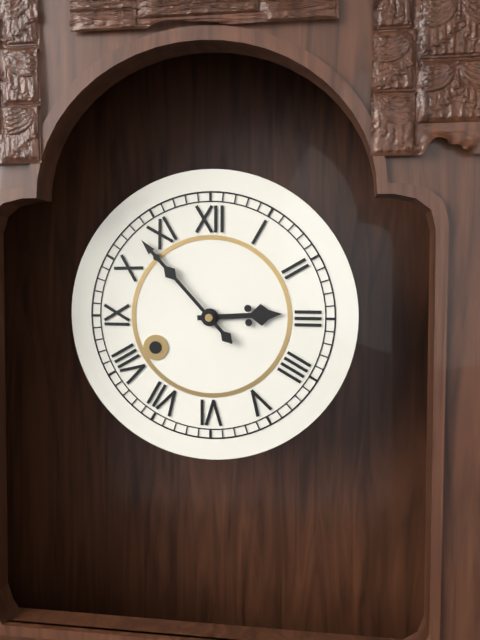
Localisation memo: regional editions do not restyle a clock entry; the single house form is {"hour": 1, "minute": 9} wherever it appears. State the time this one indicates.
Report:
{"hour": 2, "minute": 53}
